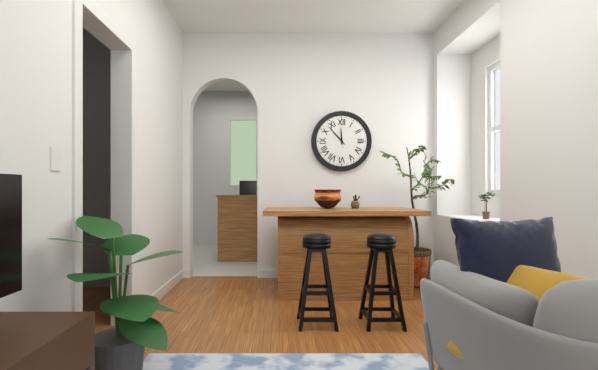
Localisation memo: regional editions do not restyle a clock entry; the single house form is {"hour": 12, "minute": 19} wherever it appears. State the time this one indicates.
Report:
{"hour": 11, "minute": 53}
